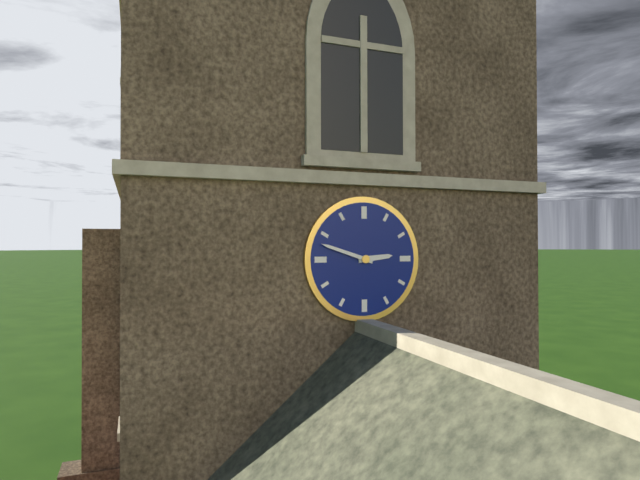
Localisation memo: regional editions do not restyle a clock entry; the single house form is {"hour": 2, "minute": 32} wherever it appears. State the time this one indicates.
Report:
{"hour": 2, "minute": 48}
